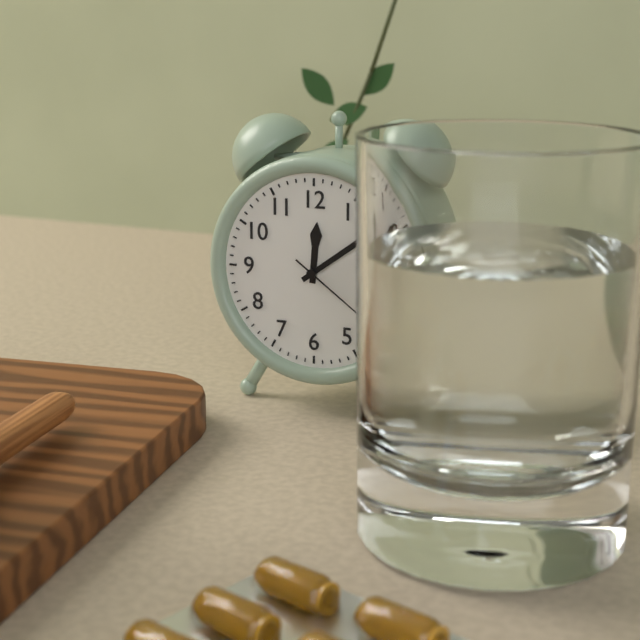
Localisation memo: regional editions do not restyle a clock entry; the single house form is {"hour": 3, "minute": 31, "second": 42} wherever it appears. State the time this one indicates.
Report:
{"hour": 12, "minute": 9, "second": 21}
